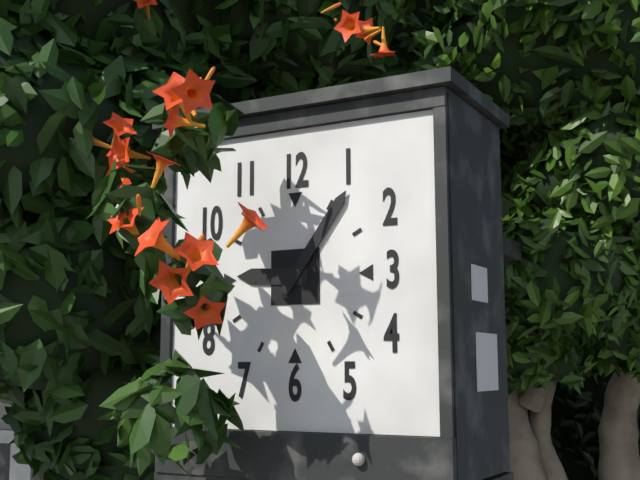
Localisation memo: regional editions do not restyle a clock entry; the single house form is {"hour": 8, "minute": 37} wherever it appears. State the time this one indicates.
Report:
{"hour": 9, "minute": 6}
